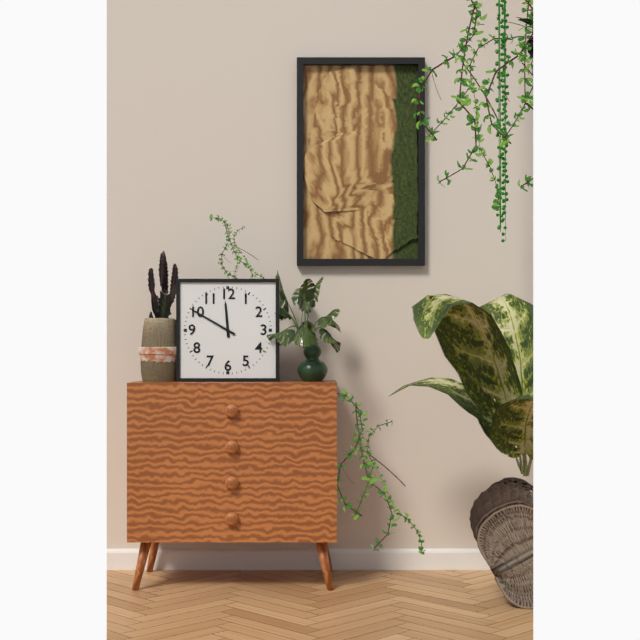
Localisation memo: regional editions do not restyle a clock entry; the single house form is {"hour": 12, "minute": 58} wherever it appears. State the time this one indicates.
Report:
{"hour": 11, "minute": 50}
